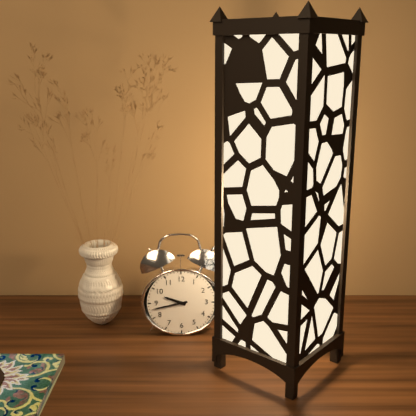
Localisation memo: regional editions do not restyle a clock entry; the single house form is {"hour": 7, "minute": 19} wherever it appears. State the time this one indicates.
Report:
{"hour": 9, "minute": 43}
